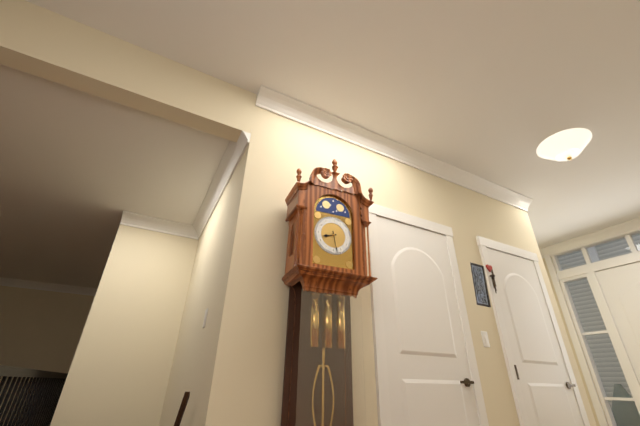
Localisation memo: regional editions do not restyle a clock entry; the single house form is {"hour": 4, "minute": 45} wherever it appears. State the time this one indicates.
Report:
{"hour": 8, "minute": 28}
